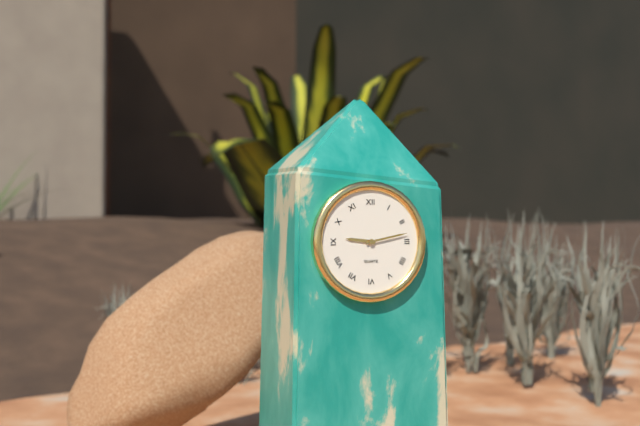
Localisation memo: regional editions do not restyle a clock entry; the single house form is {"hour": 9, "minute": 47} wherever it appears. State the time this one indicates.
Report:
{"hour": 9, "minute": 13}
